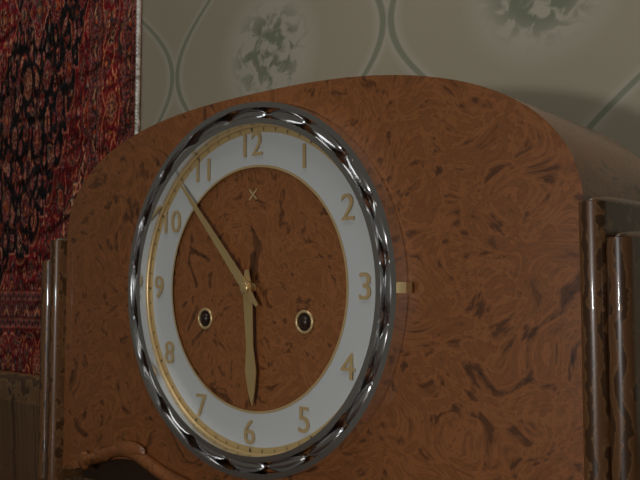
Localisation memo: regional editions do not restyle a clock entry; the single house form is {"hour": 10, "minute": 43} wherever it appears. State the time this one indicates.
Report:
{"hour": 5, "minute": 53}
